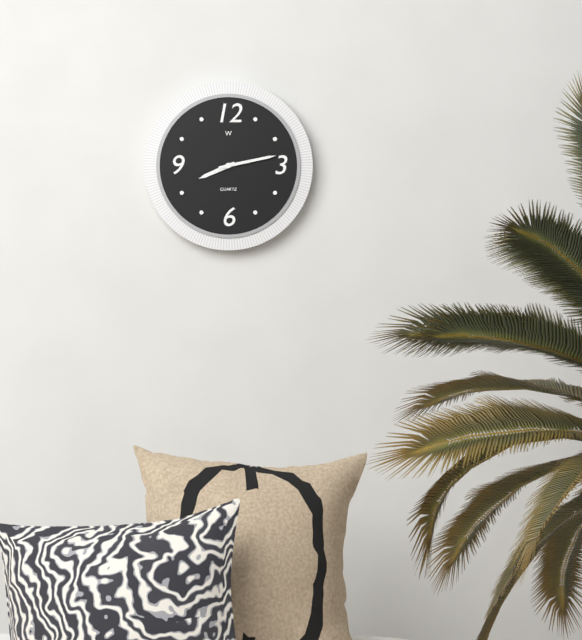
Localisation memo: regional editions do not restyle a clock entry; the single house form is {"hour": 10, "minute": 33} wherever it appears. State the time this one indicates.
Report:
{"hour": 8, "minute": 13}
